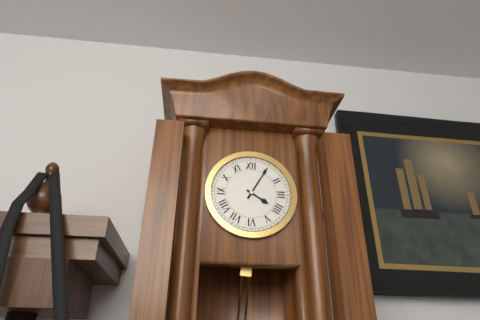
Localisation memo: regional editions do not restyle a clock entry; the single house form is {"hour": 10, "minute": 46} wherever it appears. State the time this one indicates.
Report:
{"hour": 4, "minute": 5}
